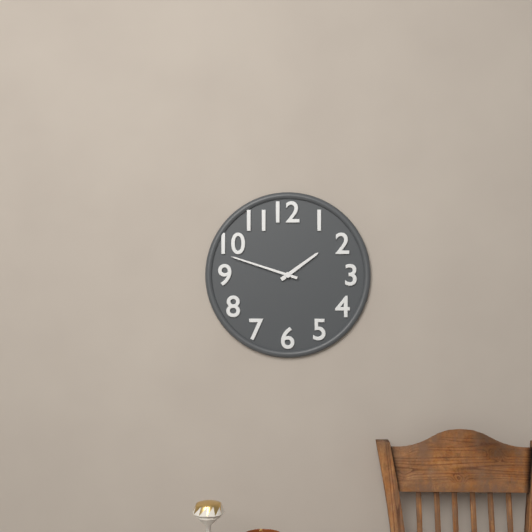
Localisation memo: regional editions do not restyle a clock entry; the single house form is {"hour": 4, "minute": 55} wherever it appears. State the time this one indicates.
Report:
{"hour": 1, "minute": 48}
